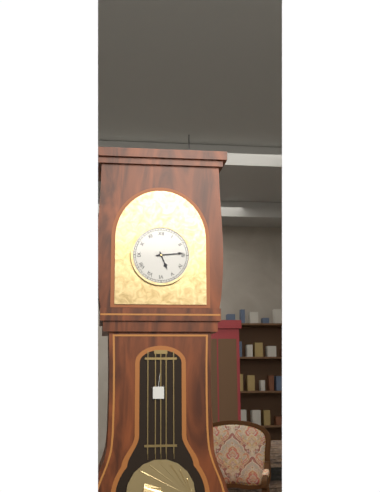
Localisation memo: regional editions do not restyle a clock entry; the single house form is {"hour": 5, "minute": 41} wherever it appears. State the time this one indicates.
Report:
{"hour": 5, "minute": 14}
